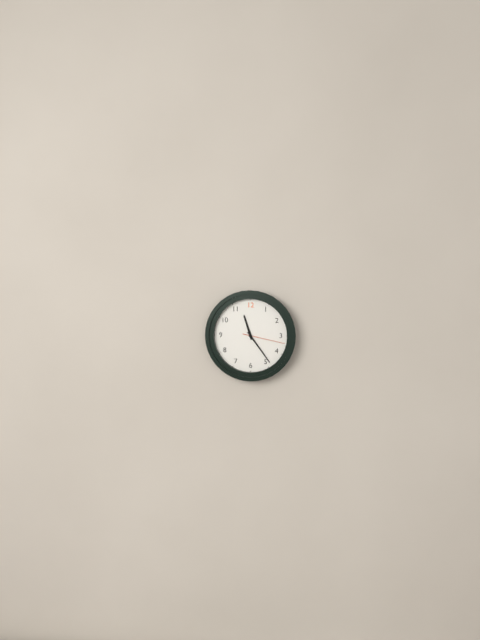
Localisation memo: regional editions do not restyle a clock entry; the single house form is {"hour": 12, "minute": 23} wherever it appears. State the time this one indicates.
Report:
{"hour": 11, "minute": 24}
